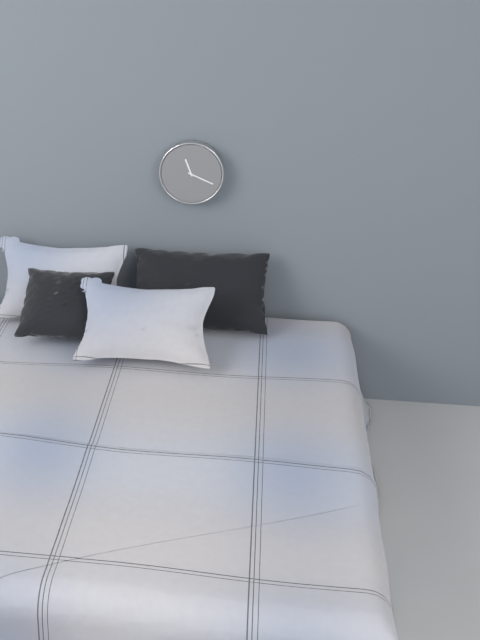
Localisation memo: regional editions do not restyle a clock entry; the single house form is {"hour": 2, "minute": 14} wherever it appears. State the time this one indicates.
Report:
{"hour": 11, "minute": 19}
